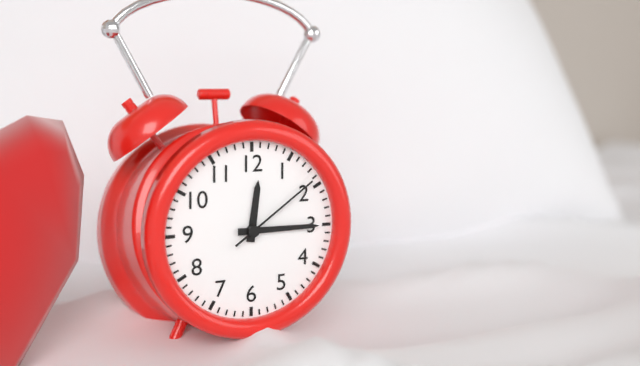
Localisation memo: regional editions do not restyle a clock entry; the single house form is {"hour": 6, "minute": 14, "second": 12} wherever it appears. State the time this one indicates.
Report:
{"hour": 12, "minute": 15, "second": 9}
